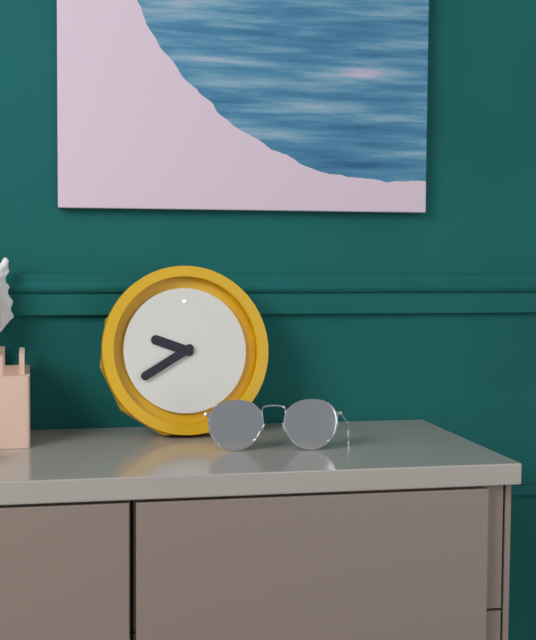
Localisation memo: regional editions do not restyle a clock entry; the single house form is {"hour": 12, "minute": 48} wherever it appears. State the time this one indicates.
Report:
{"hour": 9, "minute": 40}
